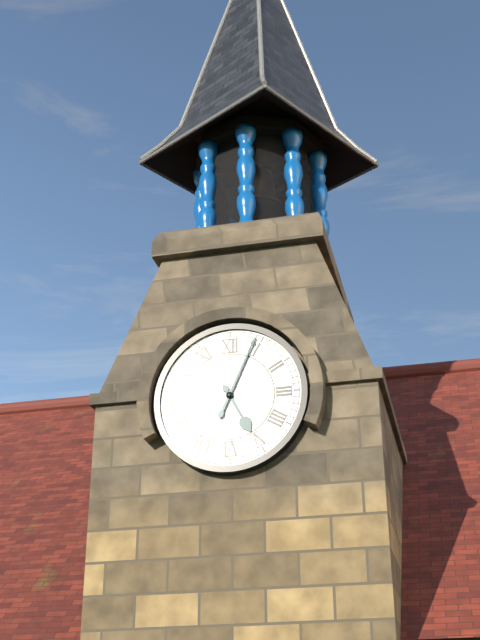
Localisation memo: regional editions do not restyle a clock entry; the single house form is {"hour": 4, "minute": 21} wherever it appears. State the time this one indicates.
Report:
{"hour": 5, "minute": 4}
